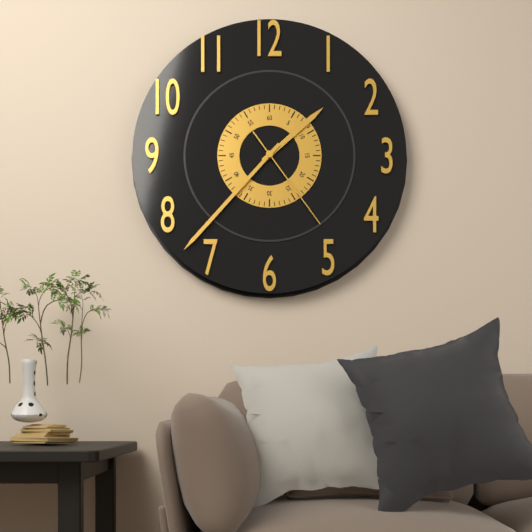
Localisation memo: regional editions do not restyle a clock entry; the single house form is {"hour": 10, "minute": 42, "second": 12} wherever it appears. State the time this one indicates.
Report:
{"hour": 1, "minute": 37, "second": 24}
